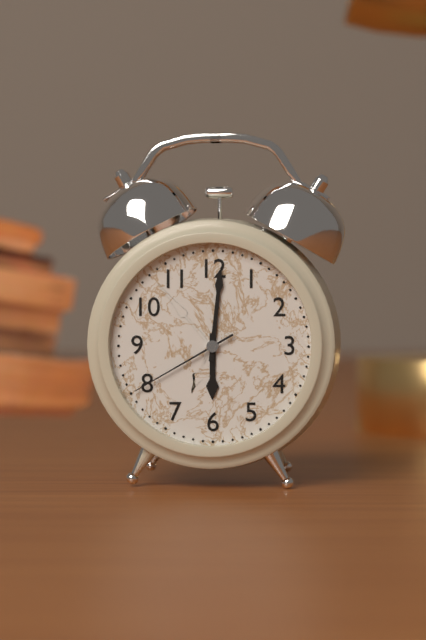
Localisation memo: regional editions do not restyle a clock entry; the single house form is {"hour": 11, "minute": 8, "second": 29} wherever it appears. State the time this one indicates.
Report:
{"hour": 6, "minute": 1, "second": 40}
